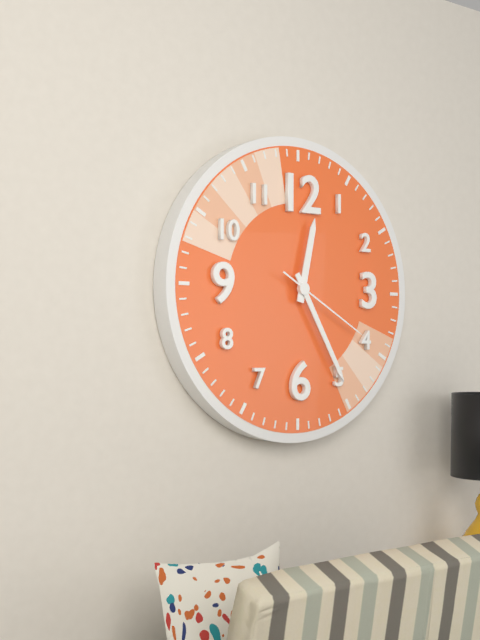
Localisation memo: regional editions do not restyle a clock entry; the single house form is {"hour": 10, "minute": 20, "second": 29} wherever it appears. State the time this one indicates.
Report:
{"hour": 12, "minute": 25, "second": 20}
